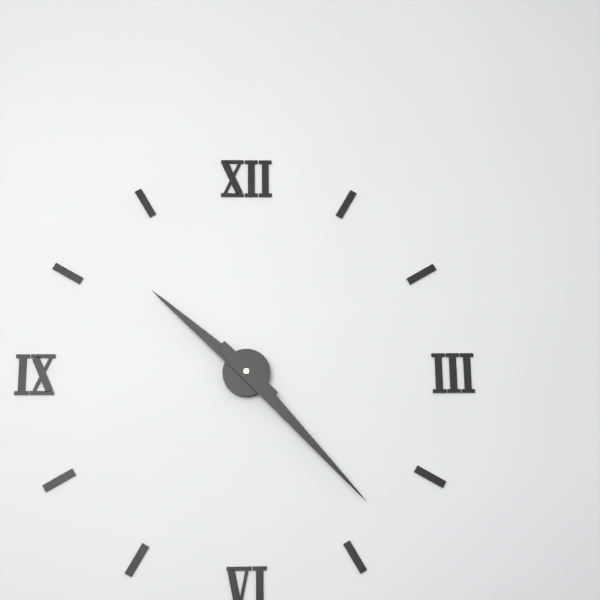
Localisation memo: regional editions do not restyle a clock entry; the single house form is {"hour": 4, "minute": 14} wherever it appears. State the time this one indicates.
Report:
{"hour": 10, "minute": 23}
